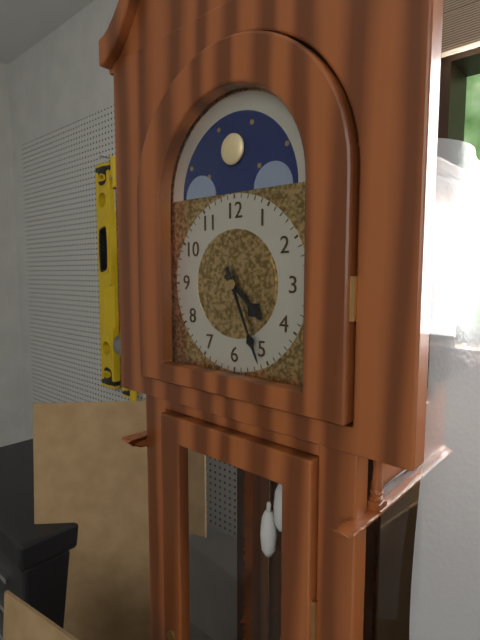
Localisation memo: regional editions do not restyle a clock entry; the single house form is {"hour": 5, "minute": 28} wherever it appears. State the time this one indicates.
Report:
{"hour": 4, "minute": 26}
